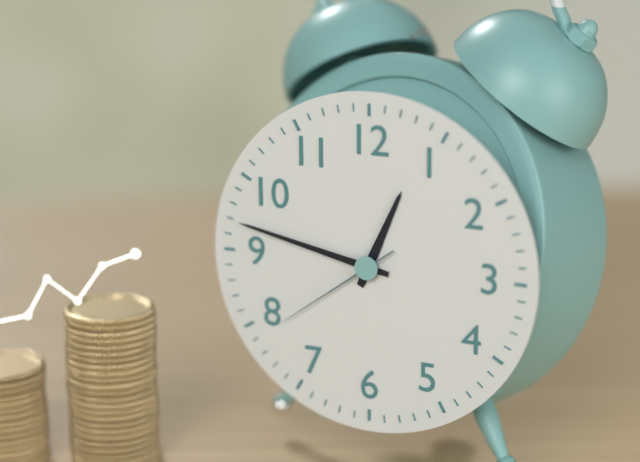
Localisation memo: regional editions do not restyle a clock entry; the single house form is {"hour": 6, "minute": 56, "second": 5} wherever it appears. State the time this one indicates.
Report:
{"hour": 12, "minute": 47, "second": 39}
